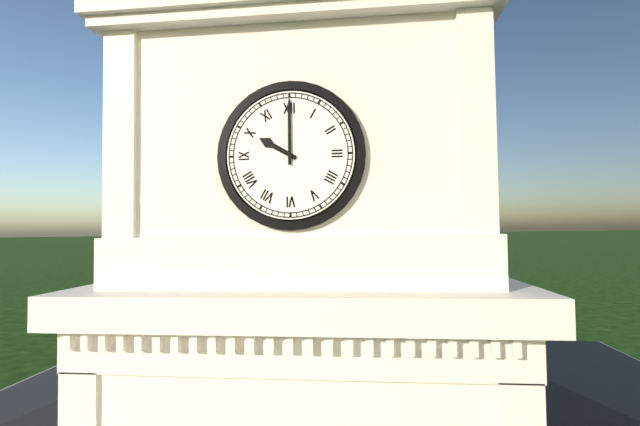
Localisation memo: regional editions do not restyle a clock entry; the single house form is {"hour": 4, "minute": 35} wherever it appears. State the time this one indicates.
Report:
{"hour": 10, "minute": 0}
